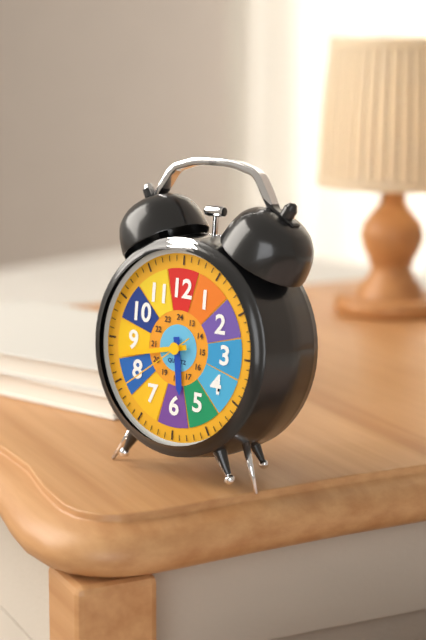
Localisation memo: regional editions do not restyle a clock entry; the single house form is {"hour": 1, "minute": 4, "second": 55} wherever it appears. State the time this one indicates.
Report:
{"hour": 5, "minute": 43, "second": 39}
